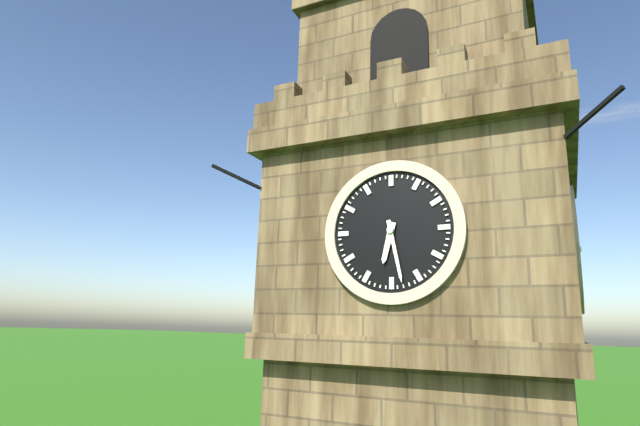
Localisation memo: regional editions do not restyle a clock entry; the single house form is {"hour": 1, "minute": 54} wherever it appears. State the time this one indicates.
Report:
{"hour": 6, "minute": 28}
